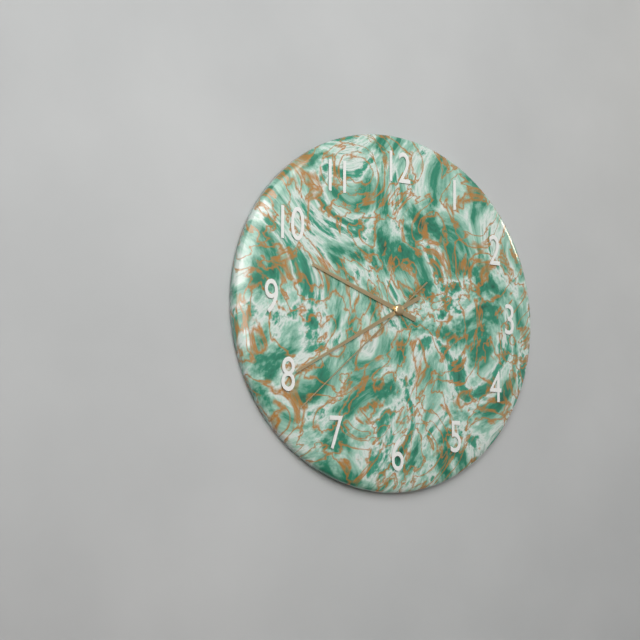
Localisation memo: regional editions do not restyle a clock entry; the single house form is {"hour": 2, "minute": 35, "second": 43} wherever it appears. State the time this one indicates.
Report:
{"hour": 9, "minute": 40, "second": 38}
